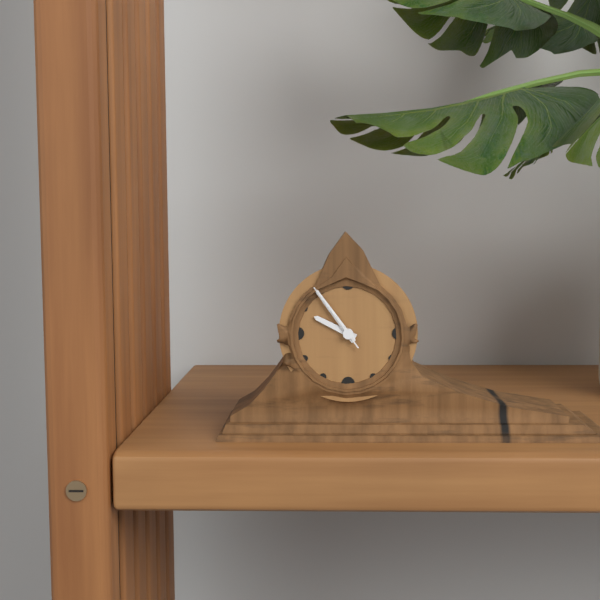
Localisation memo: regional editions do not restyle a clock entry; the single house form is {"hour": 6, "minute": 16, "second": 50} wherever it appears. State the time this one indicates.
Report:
{"hour": 9, "minute": 54, "second": 54}
